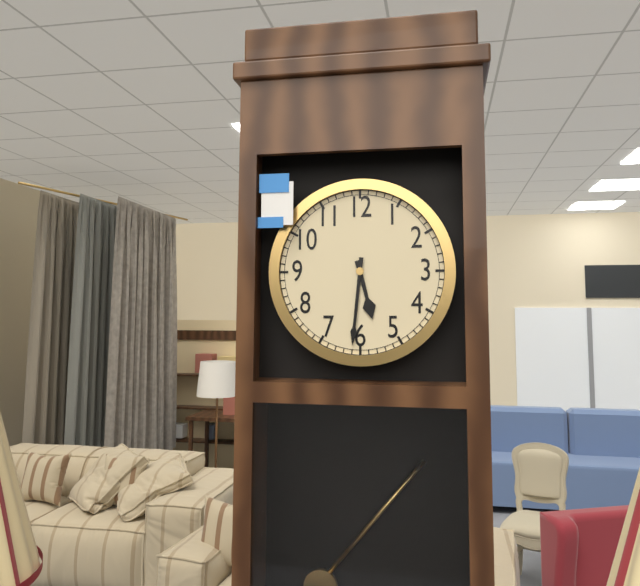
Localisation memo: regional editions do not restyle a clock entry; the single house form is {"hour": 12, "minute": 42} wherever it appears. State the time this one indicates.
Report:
{"hour": 5, "minute": 31}
